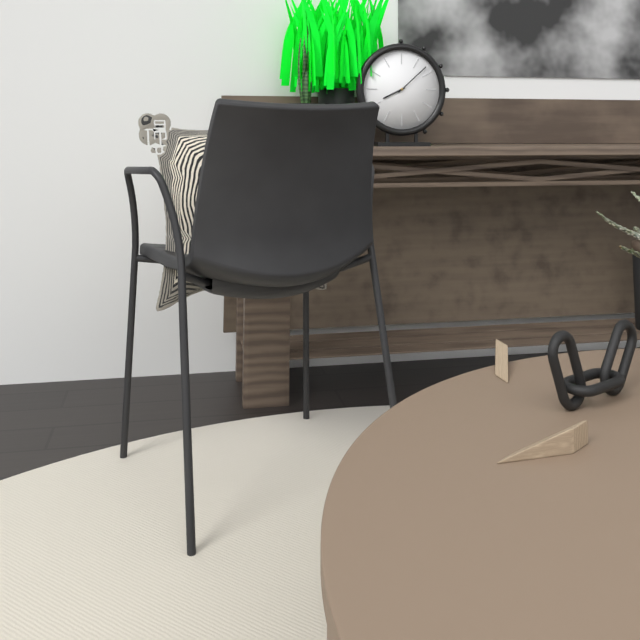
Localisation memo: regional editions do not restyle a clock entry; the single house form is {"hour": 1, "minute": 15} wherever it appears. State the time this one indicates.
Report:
{"hour": 8, "minute": 8}
